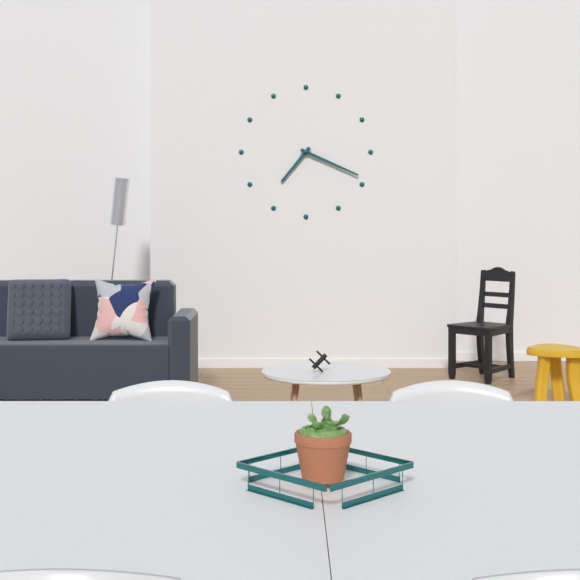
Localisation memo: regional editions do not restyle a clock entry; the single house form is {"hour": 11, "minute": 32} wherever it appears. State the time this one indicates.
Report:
{"hour": 7, "minute": 19}
